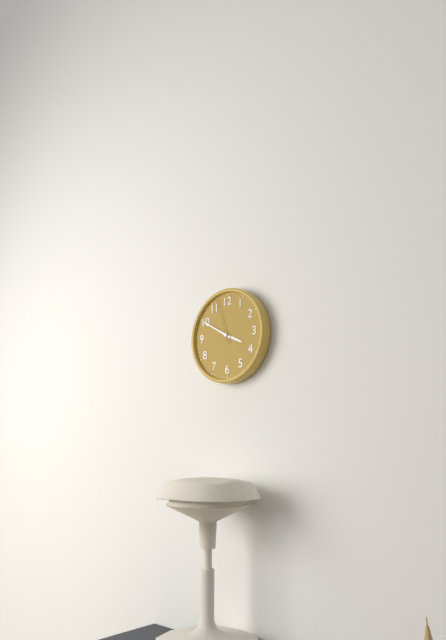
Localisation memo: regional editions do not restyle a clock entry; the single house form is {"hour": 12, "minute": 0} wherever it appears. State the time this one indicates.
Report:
{"hour": 3, "minute": 50}
